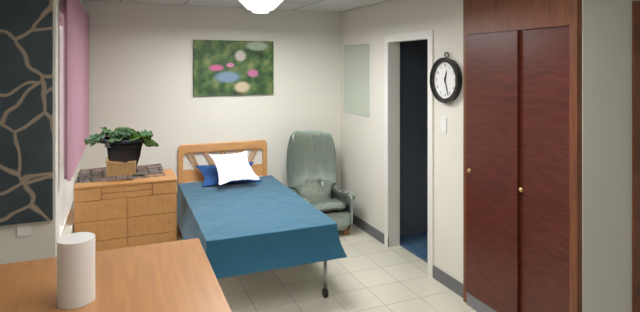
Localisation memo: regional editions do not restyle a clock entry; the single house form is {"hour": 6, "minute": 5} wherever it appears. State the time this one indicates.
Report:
{"hour": 12, "minute": 27}
